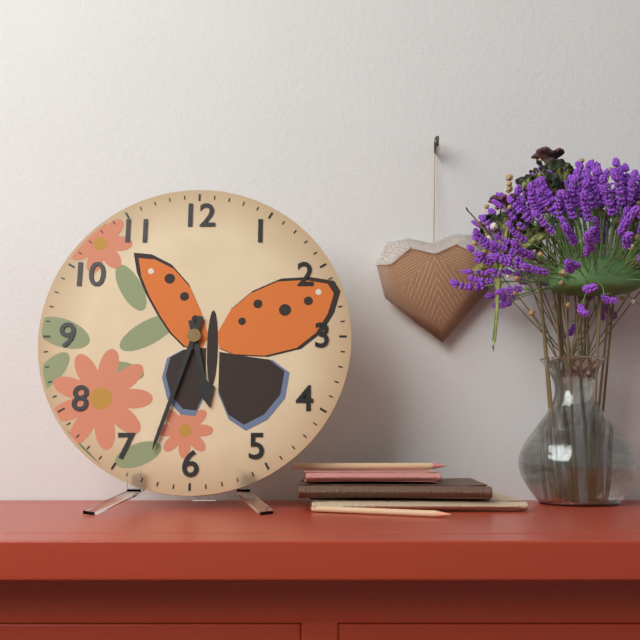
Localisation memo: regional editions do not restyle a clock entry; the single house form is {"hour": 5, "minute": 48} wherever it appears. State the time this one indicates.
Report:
{"hour": 5, "minute": 33}
